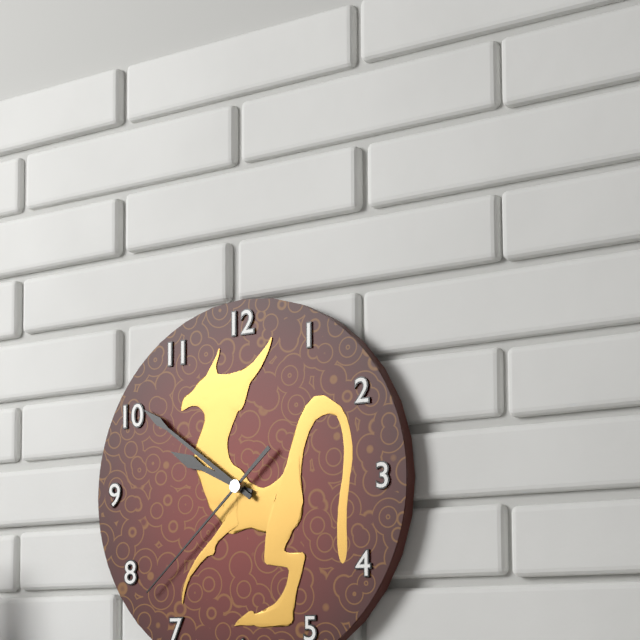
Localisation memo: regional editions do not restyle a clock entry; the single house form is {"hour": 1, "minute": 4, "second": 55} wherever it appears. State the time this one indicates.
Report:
{"hour": 9, "minute": 51, "second": 38}
